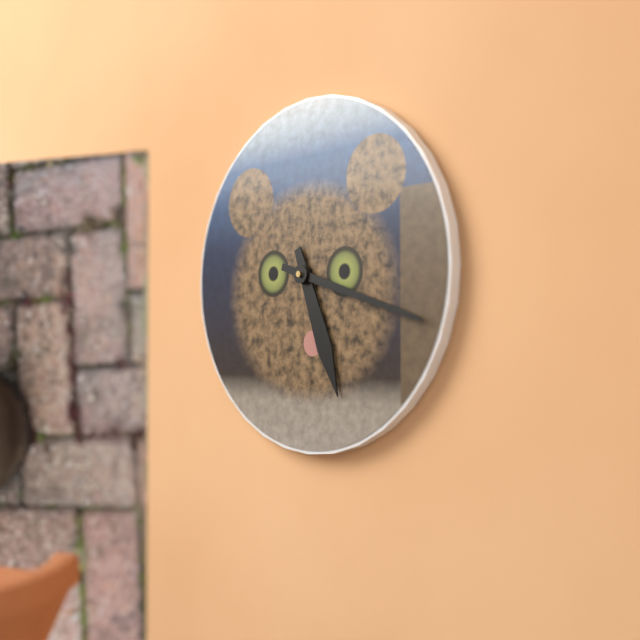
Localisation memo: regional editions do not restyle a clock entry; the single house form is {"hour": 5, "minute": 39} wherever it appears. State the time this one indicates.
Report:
{"hour": 5, "minute": 18}
